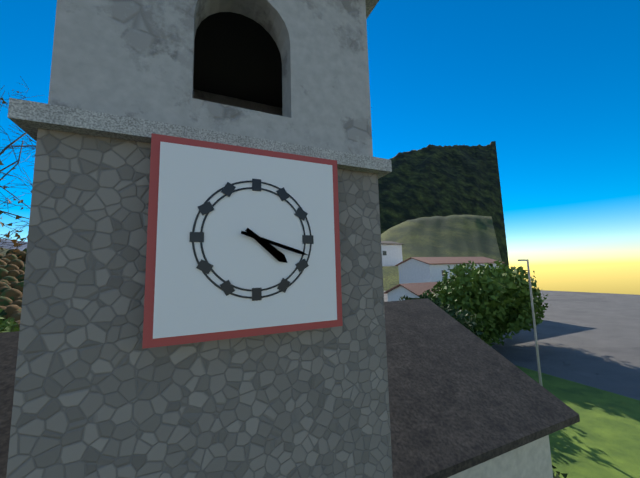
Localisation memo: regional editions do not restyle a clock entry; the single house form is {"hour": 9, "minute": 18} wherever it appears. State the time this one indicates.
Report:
{"hour": 4, "minute": 18}
